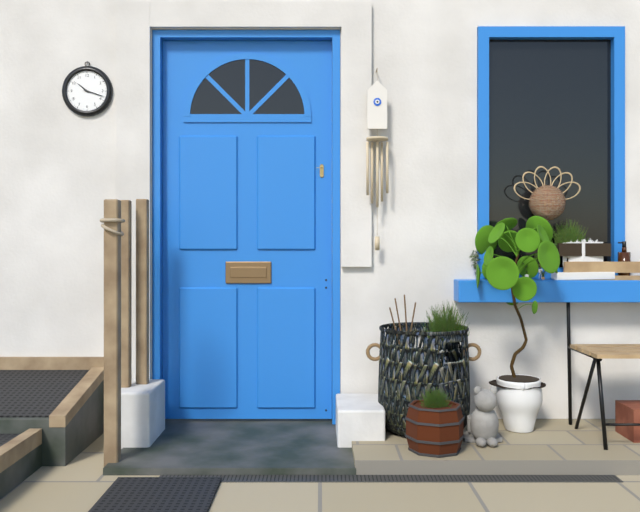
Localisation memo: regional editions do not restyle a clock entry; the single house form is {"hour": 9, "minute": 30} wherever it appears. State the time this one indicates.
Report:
{"hour": 10, "minute": 18}
